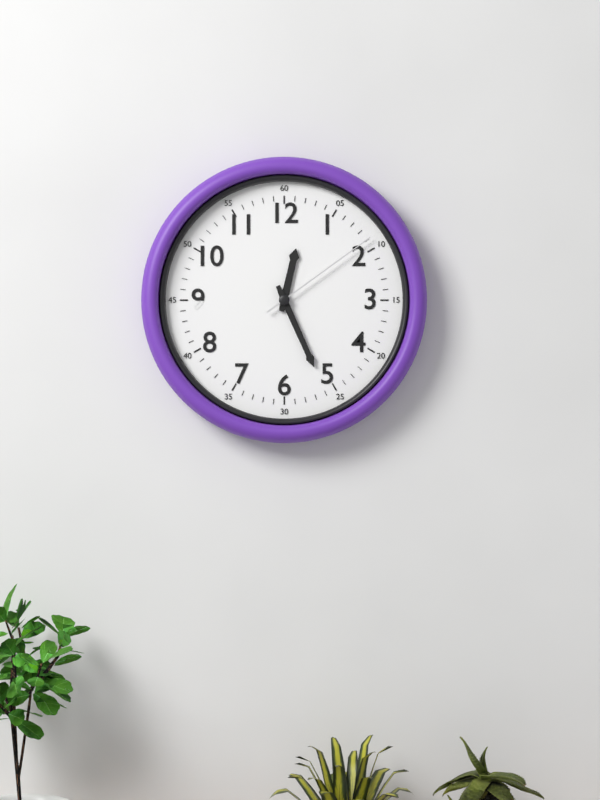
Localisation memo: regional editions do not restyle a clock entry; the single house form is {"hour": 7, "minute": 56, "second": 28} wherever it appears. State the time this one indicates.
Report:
{"hour": 12, "minute": 26, "second": 9}
